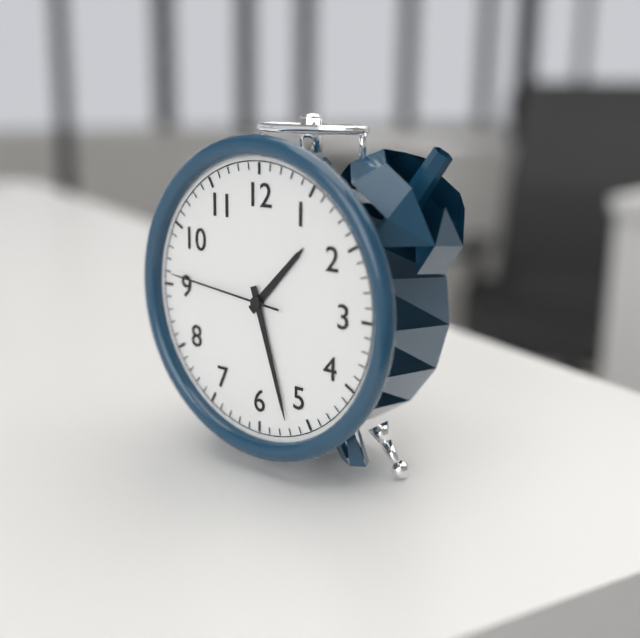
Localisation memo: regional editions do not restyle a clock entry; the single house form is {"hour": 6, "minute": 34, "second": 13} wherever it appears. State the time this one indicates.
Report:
{"hour": 1, "minute": 27, "second": 46}
